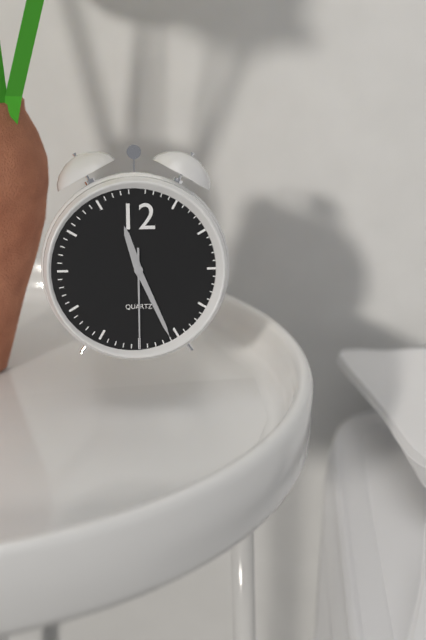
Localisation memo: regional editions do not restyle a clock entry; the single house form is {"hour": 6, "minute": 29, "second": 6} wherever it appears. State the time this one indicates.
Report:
{"hour": 11, "minute": 26, "second": 30}
